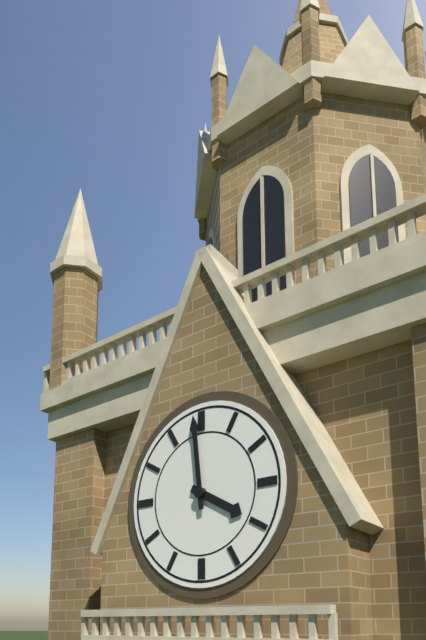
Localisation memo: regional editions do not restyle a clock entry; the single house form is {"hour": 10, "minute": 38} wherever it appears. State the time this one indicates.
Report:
{"hour": 3, "minute": 59}
